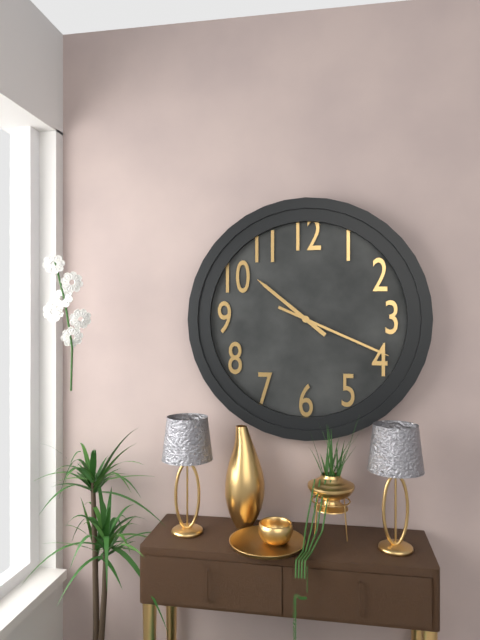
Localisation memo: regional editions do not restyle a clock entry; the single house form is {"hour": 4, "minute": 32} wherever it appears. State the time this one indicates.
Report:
{"hour": 10, "minute": 19}
